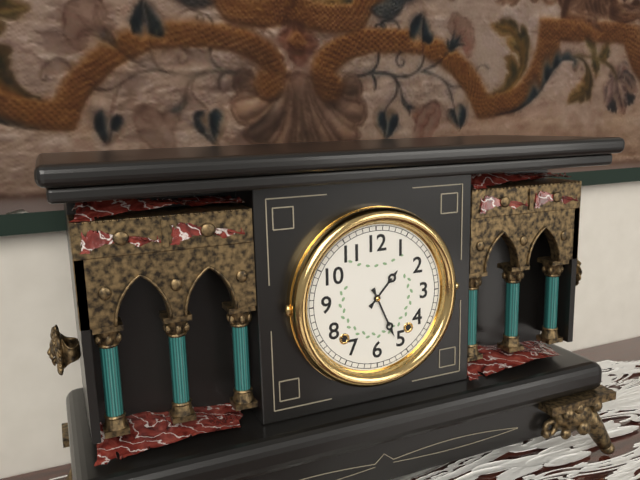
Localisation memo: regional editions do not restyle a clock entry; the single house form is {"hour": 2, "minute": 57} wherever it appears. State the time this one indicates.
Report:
{"hour": 1, "minute": 26}
